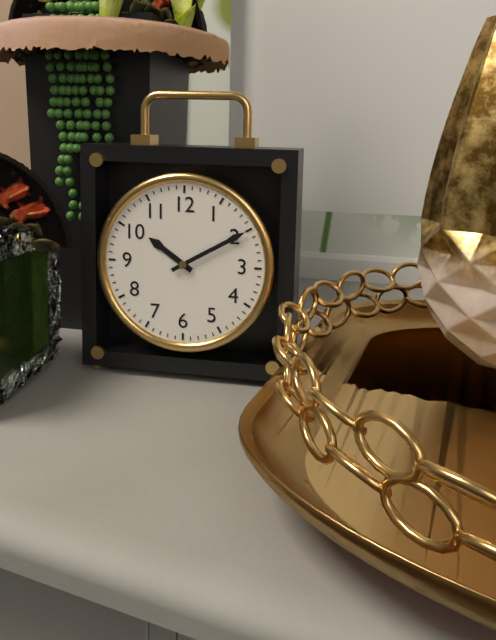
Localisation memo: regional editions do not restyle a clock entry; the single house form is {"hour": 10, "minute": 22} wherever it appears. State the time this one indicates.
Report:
{"hour": 10, "minute": 10}
